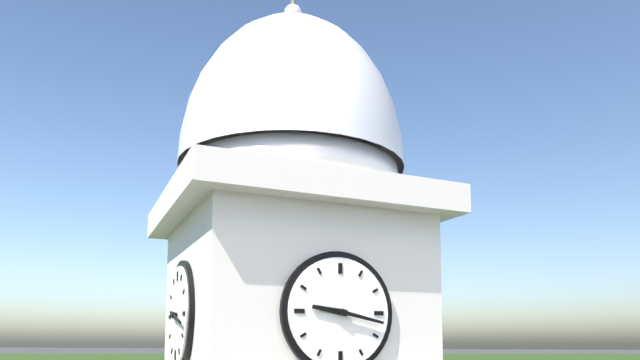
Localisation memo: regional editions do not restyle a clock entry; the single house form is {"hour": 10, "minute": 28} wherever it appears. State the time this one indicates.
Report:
{"hour": 9, "minute": 17}
